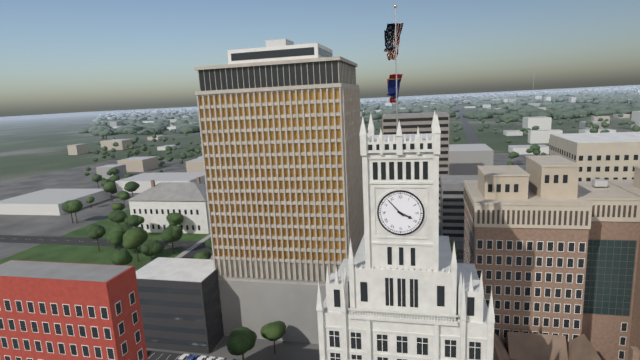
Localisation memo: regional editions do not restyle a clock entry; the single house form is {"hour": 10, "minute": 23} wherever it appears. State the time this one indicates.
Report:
{"hour": 3, "minute": 53}
